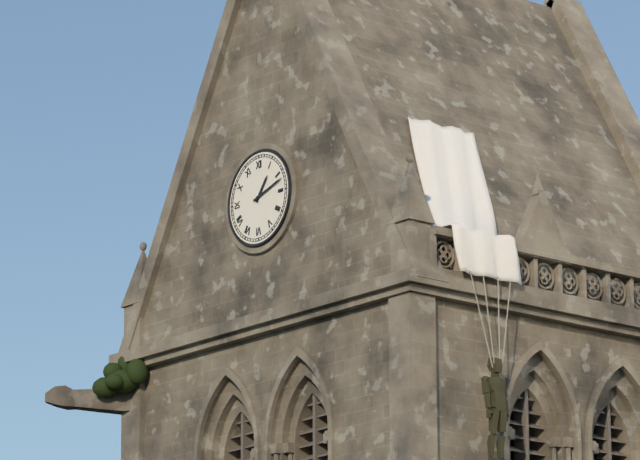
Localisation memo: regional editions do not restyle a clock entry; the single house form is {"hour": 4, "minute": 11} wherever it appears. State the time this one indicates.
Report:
{"hour": 1, "minute": 12}
